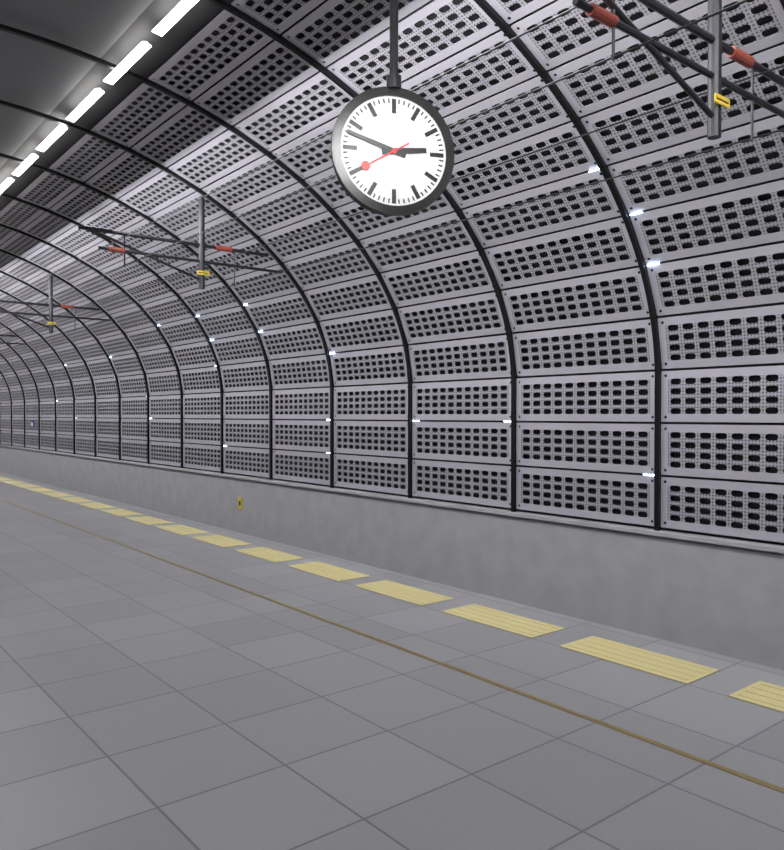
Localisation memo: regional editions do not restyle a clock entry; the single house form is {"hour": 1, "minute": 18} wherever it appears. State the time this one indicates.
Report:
{"hour": 2, "minute": 48}
